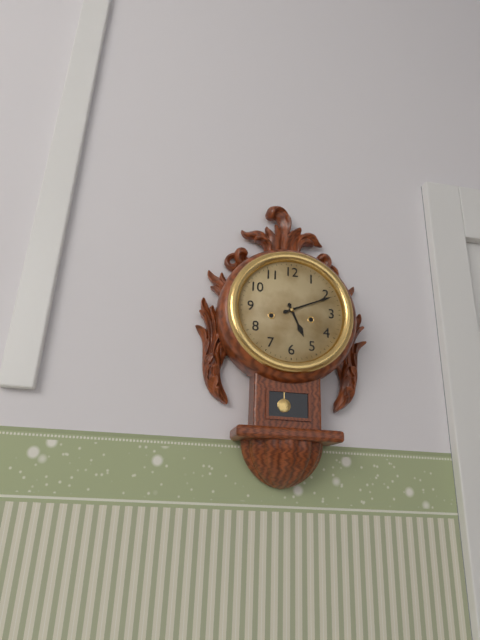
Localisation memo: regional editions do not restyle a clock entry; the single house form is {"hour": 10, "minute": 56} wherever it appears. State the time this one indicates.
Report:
{"hour": 5, "minute": 11}
